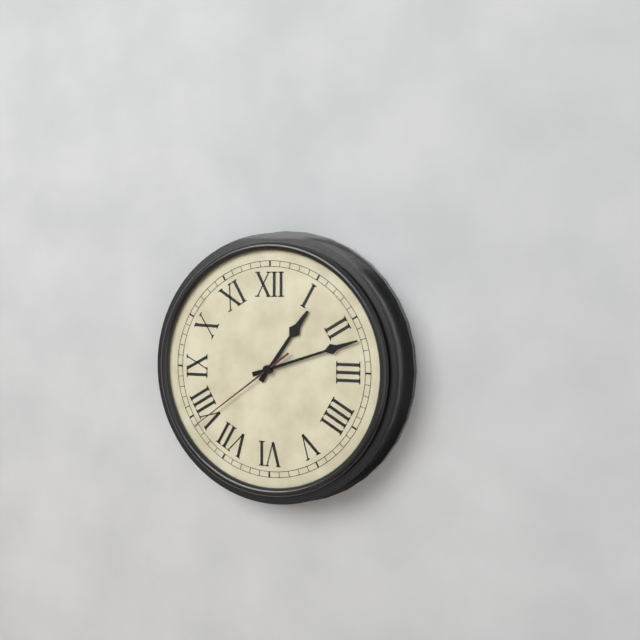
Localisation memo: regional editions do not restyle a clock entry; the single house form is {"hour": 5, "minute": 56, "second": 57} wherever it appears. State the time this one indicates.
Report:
{"hour": 1, "minute": 12, "second": 39}
